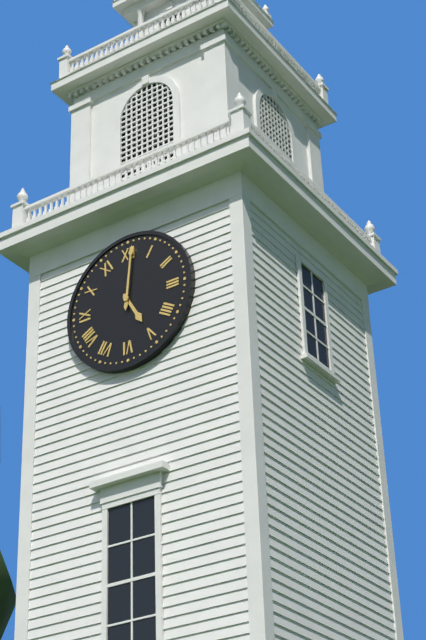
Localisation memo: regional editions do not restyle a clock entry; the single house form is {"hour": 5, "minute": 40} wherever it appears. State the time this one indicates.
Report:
{"hour": 5, "minute": 1}
